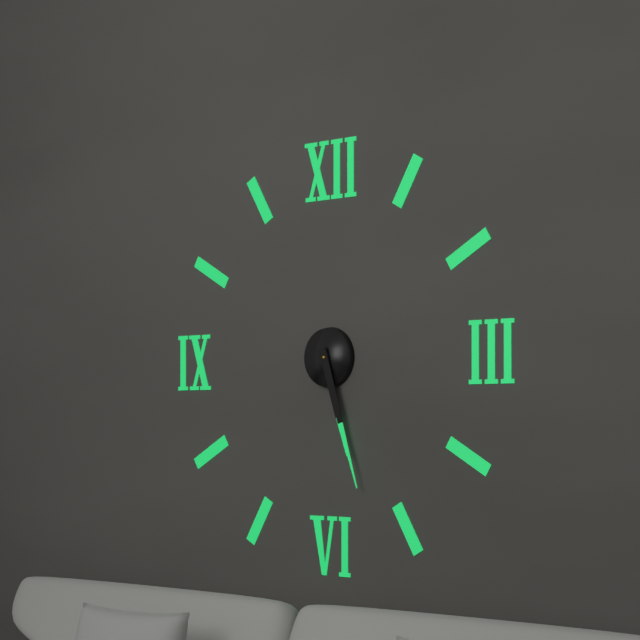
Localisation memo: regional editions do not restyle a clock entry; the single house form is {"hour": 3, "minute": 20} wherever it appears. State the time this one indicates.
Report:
{"hour": 5, "minute": 27}
